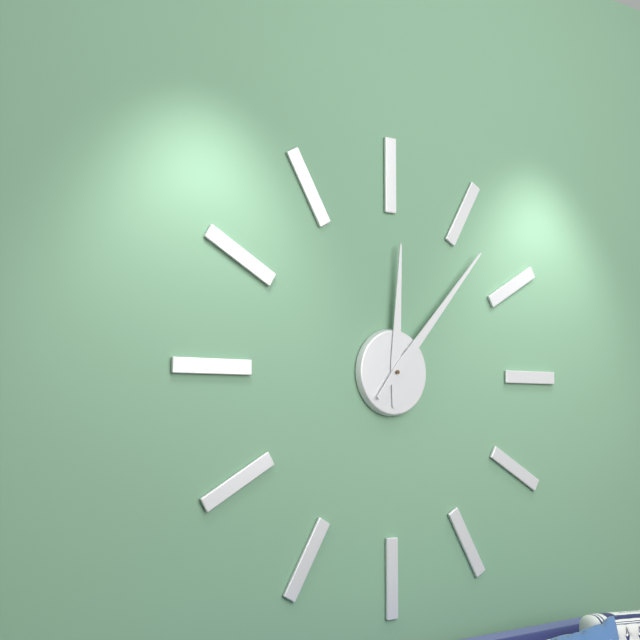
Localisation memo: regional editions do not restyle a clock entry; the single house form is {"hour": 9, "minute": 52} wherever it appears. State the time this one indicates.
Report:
{"hour": 12, "minute": 7}
